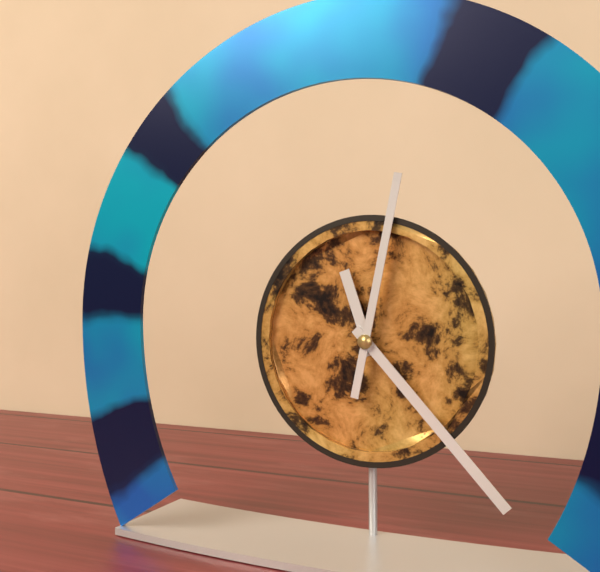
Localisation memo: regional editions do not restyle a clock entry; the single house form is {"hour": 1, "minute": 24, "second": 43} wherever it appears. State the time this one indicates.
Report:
{"hour": 11, "minute": 23, "second": 2}
